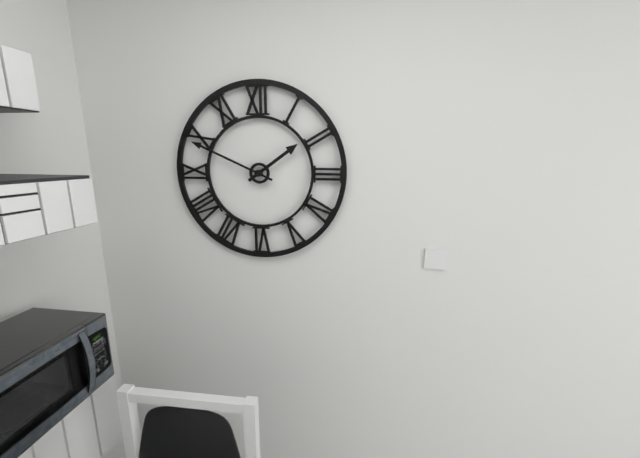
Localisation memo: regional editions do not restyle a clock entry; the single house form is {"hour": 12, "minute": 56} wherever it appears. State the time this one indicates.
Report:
{"hour": 1, "minute": 49}
